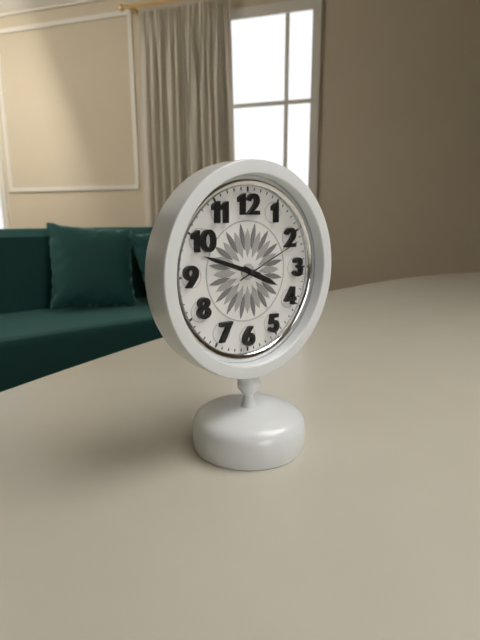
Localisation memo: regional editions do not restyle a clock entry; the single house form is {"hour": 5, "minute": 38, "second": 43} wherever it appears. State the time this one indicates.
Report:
{"hour": 3, "minute": 48, "second": 11}
